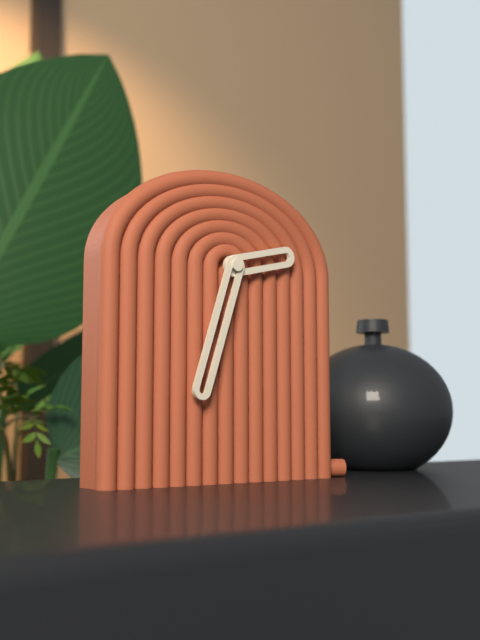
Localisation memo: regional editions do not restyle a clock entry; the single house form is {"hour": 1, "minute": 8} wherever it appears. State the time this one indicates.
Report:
{"hour": 2, "minute": 33}
